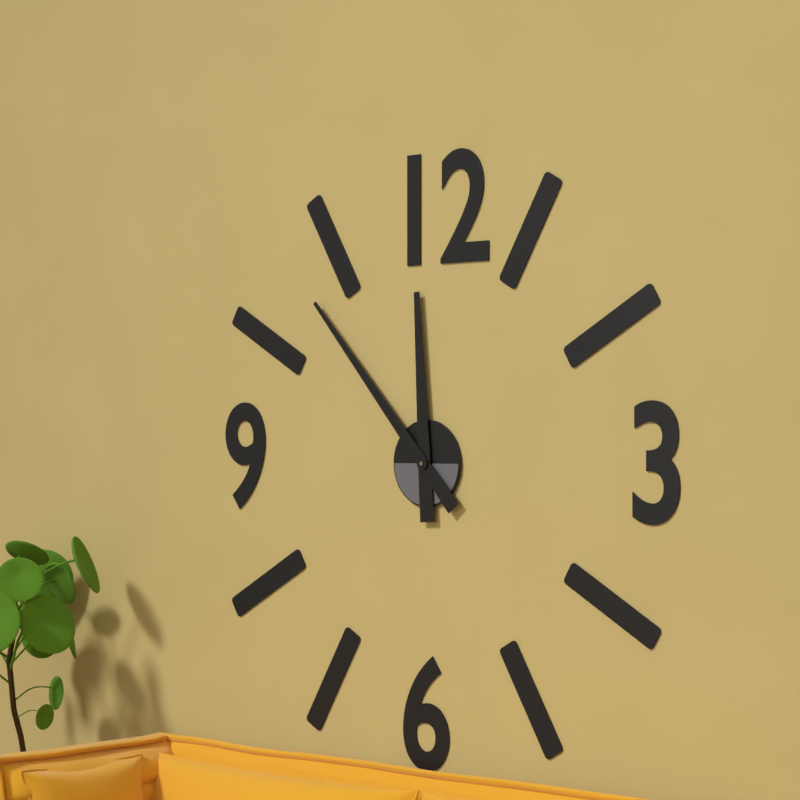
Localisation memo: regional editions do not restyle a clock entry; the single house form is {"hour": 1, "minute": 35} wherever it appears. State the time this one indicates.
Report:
{"hour": 11, "minute": 53}
